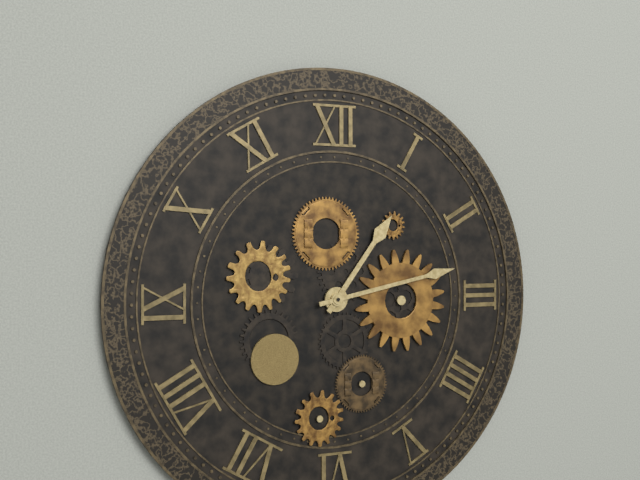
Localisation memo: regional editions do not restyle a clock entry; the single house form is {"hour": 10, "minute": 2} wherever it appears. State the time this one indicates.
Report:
{"hour": 1, "minute": 13}
